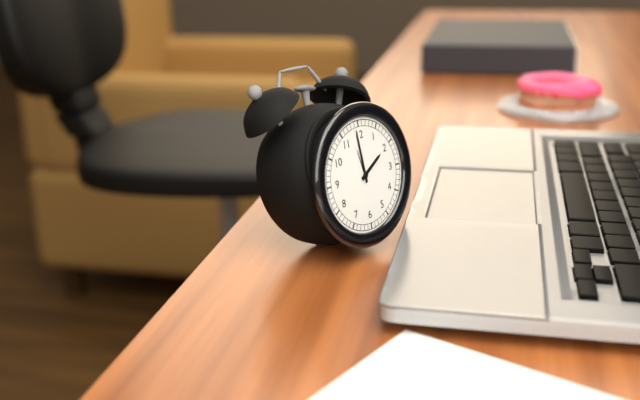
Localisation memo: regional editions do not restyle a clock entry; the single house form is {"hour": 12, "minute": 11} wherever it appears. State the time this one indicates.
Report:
{"hour": 1, "minute": 59}
